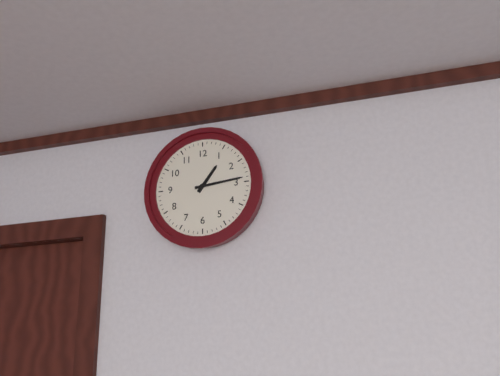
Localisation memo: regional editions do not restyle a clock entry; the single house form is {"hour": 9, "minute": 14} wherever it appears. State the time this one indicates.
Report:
{"hour": 1, "minute": 14}
